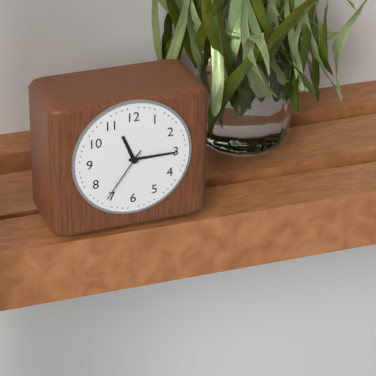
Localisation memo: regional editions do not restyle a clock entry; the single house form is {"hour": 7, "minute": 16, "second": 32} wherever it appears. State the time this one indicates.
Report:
{"hour": 11, "minute": 15, "second": 36}
